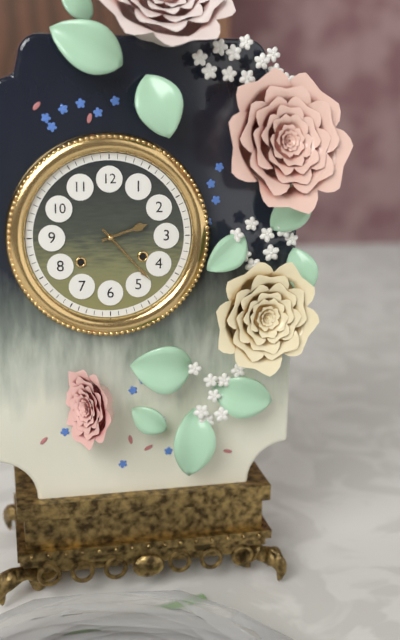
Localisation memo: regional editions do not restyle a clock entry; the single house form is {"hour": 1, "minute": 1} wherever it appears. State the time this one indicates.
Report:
{"hour": 2, "minute": 23}
